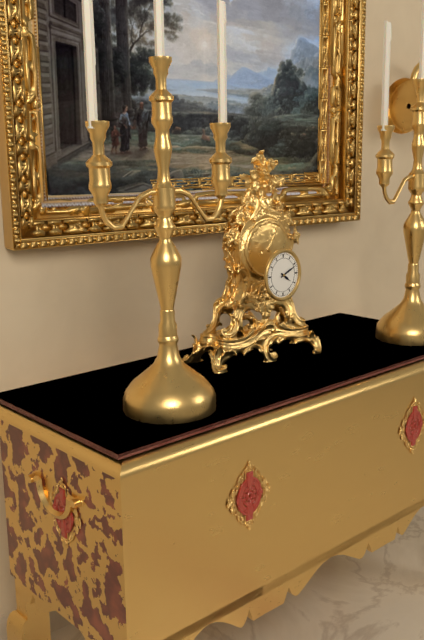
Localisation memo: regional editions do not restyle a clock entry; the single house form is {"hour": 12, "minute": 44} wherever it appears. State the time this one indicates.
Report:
{"hour": 4, "minute": 11}
